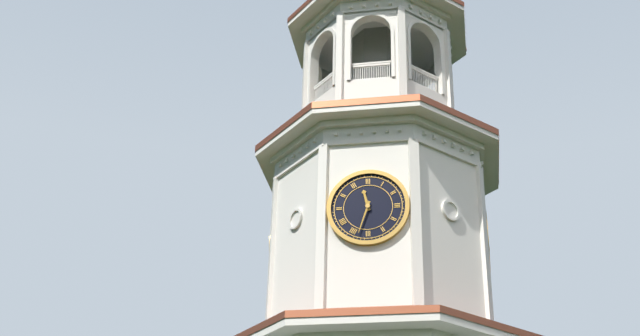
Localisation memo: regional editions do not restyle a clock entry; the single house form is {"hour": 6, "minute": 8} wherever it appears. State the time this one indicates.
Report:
{"hour": 11, "minute": 33}
